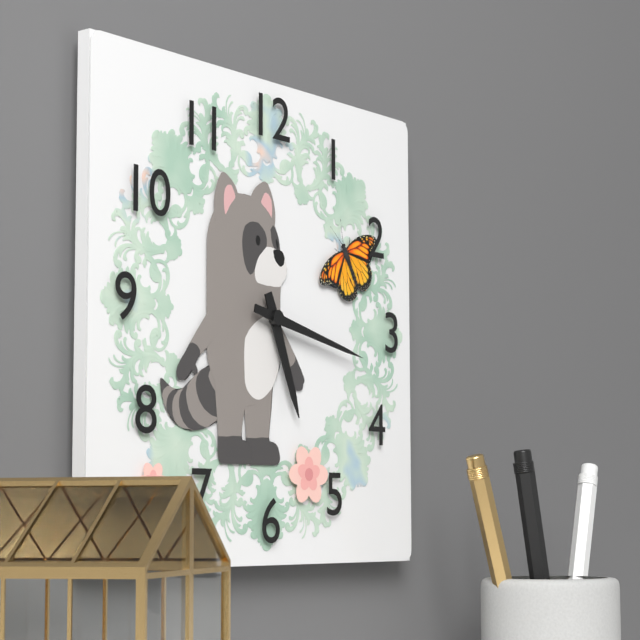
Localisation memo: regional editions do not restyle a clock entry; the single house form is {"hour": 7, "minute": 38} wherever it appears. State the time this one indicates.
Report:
{"hour": 5, "minute": 17}
